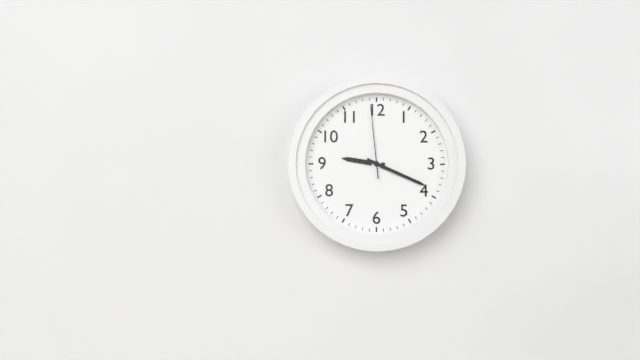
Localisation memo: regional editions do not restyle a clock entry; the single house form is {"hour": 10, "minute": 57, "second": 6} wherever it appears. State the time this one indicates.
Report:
{"hour": 9, "minute": 19, "second": 59}
